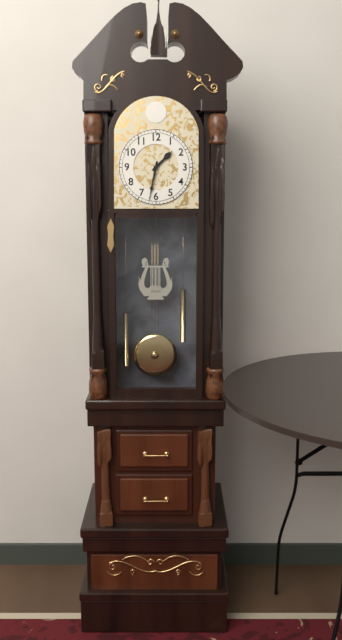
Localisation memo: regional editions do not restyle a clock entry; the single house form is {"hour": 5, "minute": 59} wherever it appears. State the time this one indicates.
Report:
{"hour": 1, "minute": 32}
